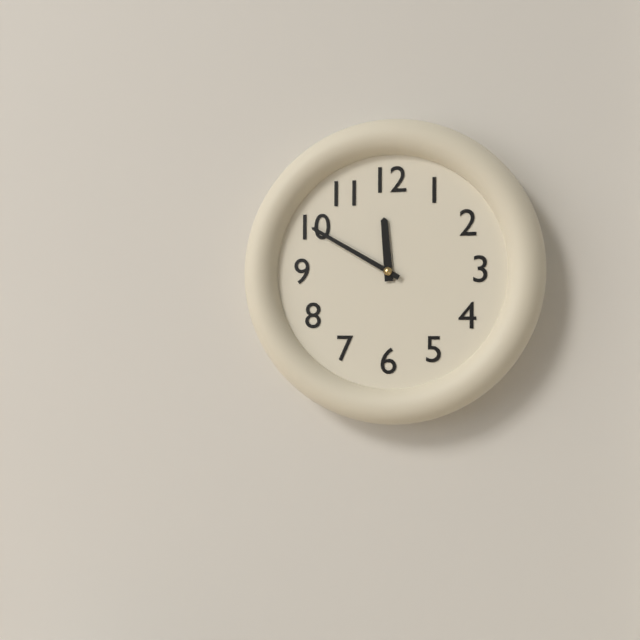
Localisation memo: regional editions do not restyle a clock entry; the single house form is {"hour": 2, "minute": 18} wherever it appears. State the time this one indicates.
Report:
{"hour": 11, "minute": 50}
